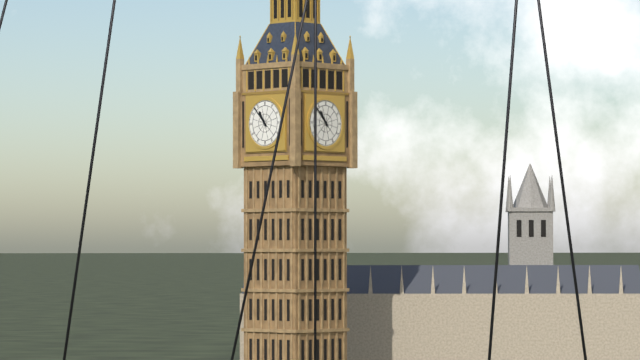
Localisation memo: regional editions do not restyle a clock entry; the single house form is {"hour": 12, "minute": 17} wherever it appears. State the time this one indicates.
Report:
{"hour": 10, "minute": 53}
